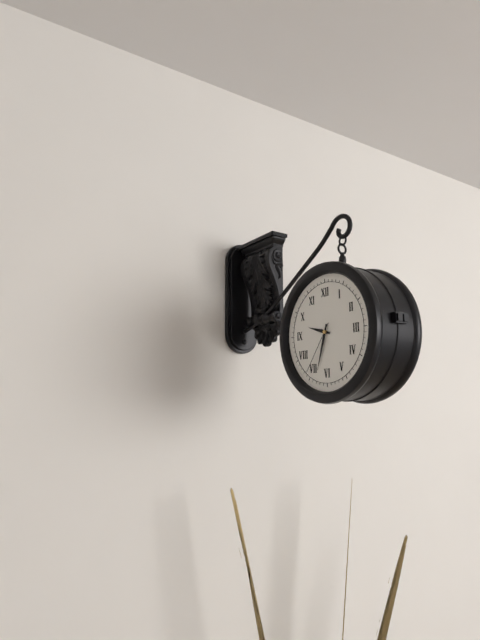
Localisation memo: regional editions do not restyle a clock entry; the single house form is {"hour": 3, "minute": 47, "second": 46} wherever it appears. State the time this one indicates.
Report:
{"hour": 9, "minute": 33, "second": 36}
